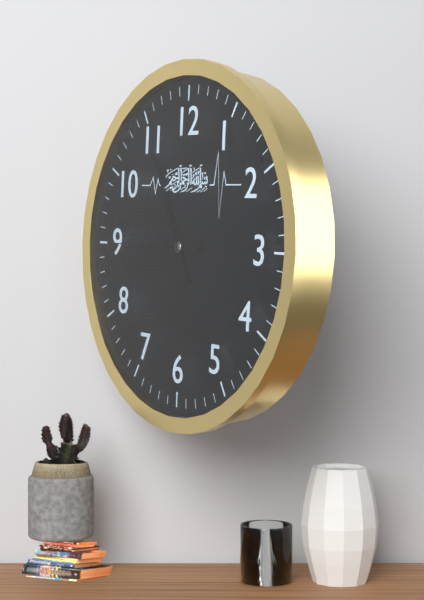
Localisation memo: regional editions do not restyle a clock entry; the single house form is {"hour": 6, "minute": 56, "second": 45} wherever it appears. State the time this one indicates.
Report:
{"hour": 8, "minute": 55, "second": 45}
